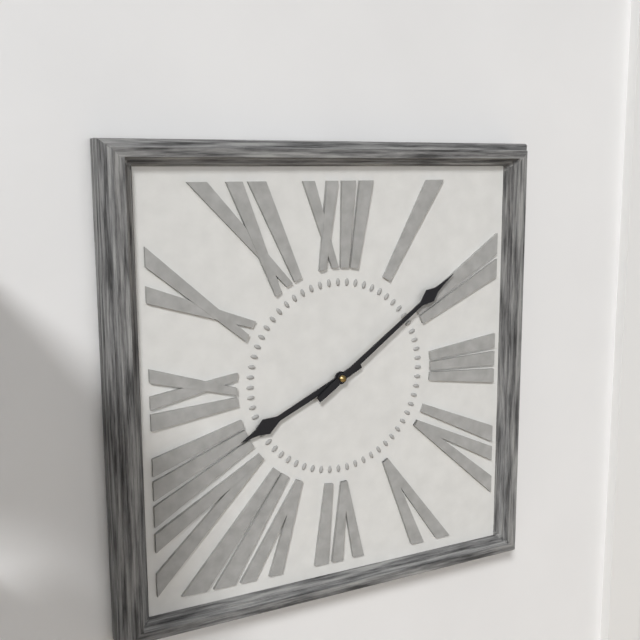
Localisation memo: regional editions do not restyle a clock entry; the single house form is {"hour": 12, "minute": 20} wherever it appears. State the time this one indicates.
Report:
{"hour": 8, "minute": 9}
